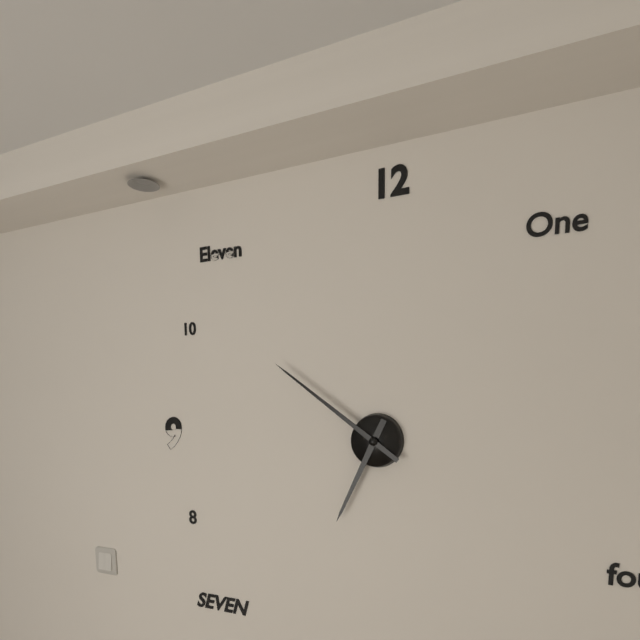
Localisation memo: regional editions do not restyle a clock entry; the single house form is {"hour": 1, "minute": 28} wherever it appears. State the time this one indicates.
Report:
{"hour": 6, "minute": 51}
